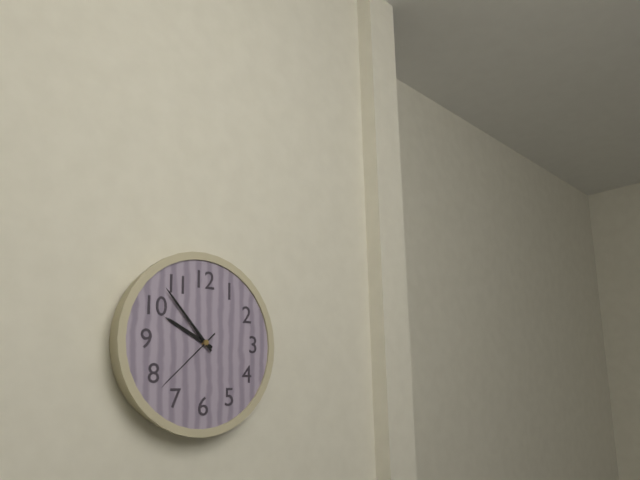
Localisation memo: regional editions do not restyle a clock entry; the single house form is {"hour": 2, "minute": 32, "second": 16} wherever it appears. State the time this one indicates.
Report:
{"hour": 9, "minute": 53, "second": 38}
